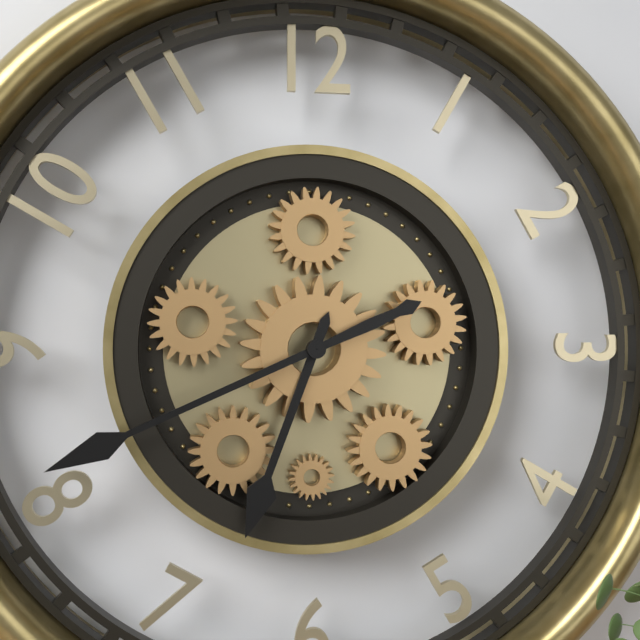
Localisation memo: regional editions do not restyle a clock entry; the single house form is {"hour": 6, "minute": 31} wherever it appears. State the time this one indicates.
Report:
{"hour": 6, "minute": 41}
